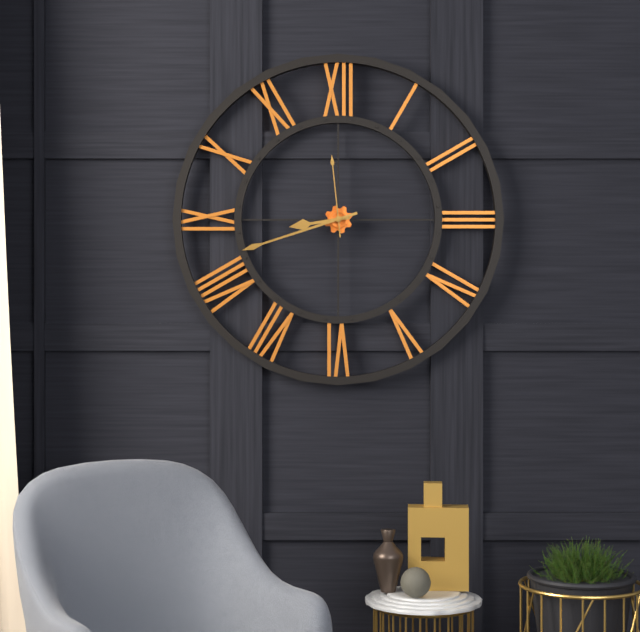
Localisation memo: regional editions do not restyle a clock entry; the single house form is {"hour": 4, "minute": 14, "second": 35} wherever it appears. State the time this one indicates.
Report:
{"hour": 8, "minute": 42, "second": 59}
